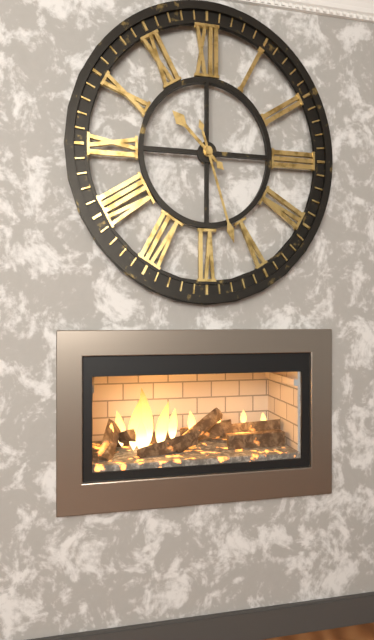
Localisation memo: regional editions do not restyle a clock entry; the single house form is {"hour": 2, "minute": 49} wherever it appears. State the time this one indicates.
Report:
{"hour": 10, "minute": 27}
